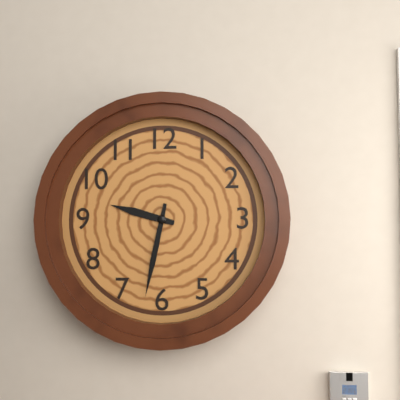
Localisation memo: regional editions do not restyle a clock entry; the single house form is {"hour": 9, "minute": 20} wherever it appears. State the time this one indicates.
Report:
{"hour": 9, "minute": 32}
